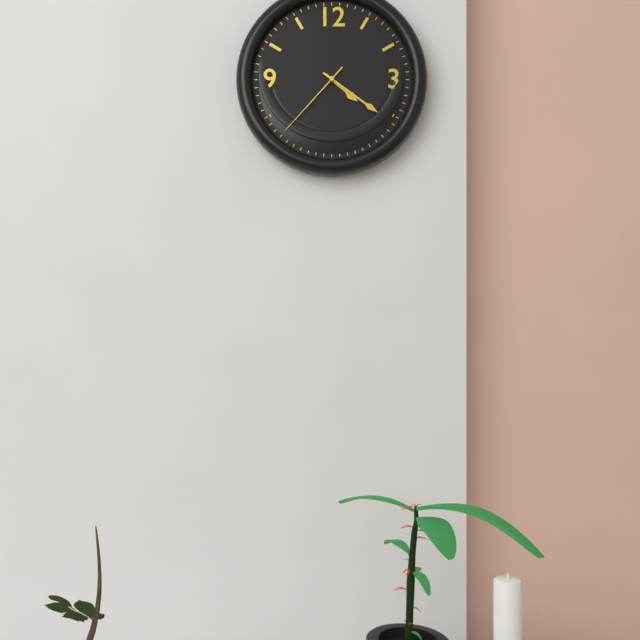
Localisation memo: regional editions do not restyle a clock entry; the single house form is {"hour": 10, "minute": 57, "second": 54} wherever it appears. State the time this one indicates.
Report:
{"hour": 4, "minute": 21, "second": 37}
